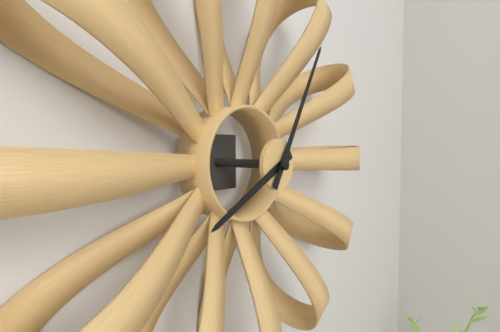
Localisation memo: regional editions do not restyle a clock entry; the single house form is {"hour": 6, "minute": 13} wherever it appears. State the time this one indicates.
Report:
{"hour": 8, "minute": 5}
